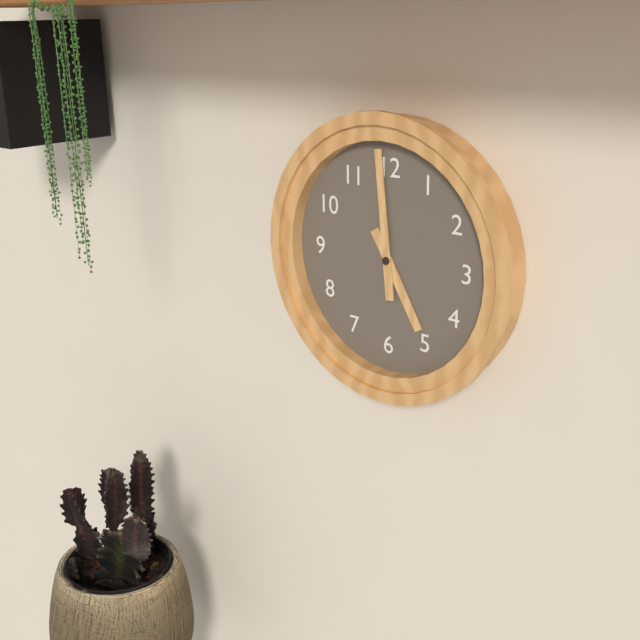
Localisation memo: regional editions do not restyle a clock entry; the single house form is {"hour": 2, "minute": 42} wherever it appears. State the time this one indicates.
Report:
{"hour": 4, "minute": 59}
